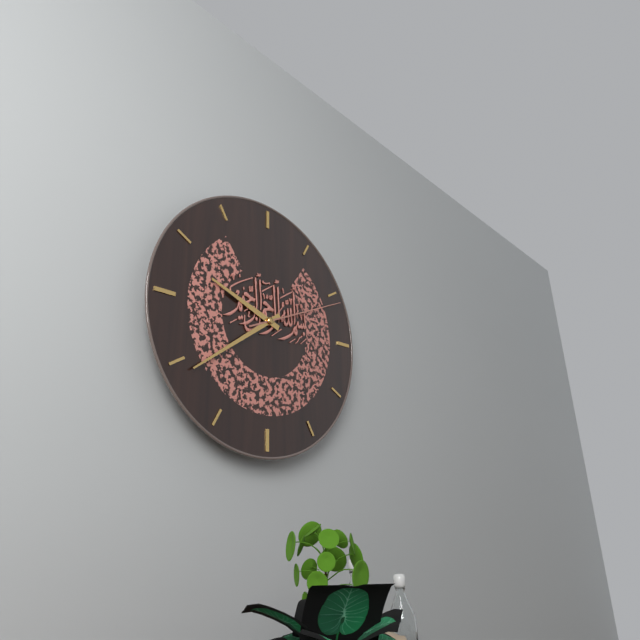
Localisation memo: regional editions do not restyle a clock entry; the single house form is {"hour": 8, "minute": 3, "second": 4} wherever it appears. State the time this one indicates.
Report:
{"hour": 9, "minute": 39, "second": 11}
